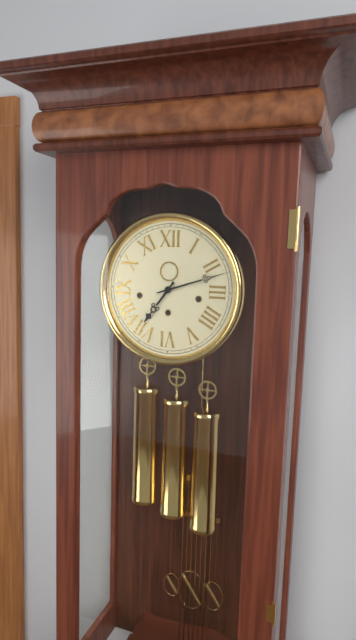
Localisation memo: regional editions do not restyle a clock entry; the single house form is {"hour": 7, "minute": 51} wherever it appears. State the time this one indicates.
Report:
{"hour": 7, "minute": 12}
